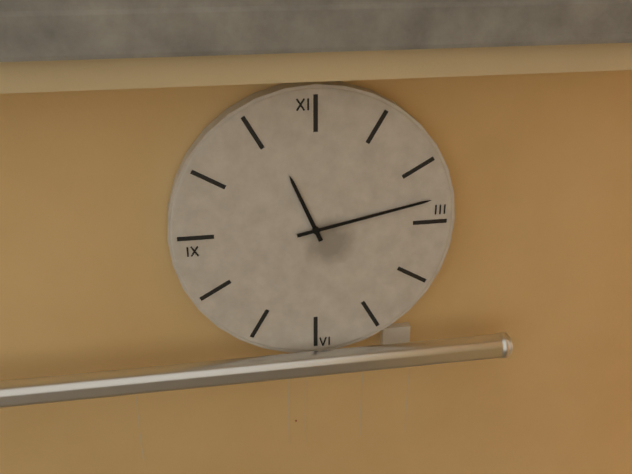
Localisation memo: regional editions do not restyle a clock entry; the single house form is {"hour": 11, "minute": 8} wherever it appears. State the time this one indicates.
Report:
{"hour": 11, "minute": 13}
